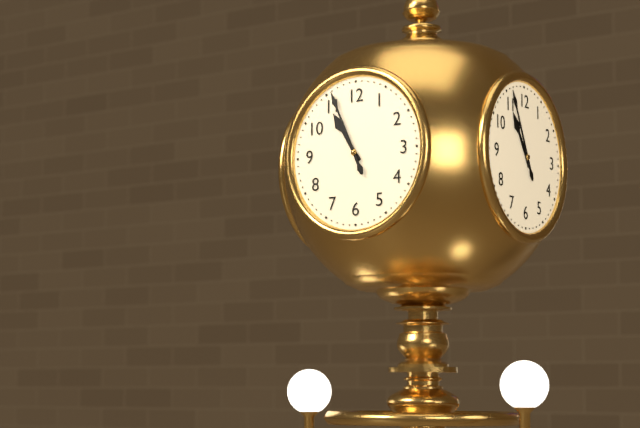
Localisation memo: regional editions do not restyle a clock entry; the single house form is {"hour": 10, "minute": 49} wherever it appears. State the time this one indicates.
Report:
{"hour": 10, "minute": 56}
